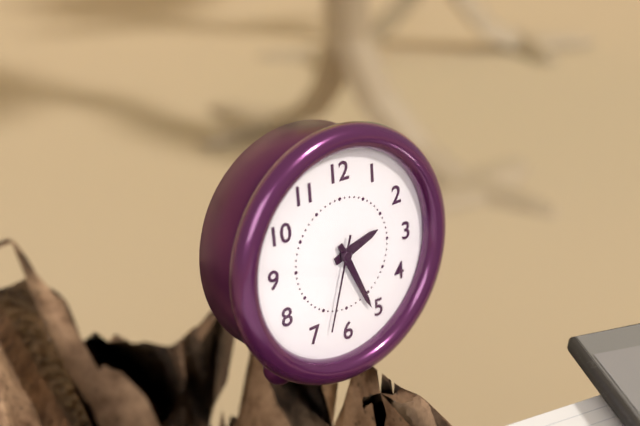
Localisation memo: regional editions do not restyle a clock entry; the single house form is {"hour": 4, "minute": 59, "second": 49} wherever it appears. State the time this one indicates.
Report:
{"hour": 2, "minute": 26, "second": 33}
